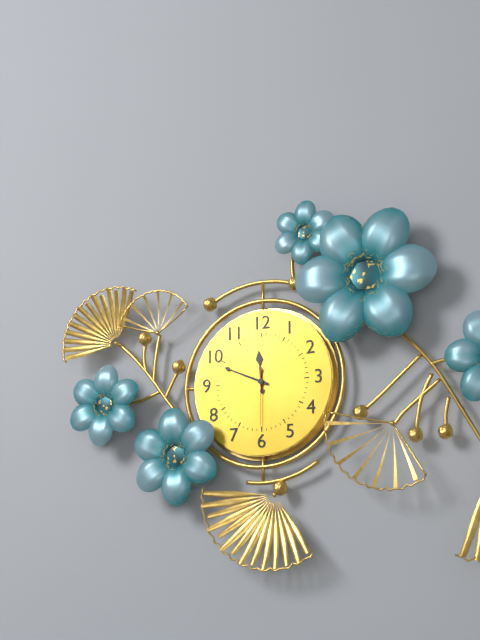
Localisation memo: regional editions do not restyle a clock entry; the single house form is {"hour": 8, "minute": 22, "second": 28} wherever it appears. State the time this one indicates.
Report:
{"hour": 11, "minute": 49, "second": 30}
